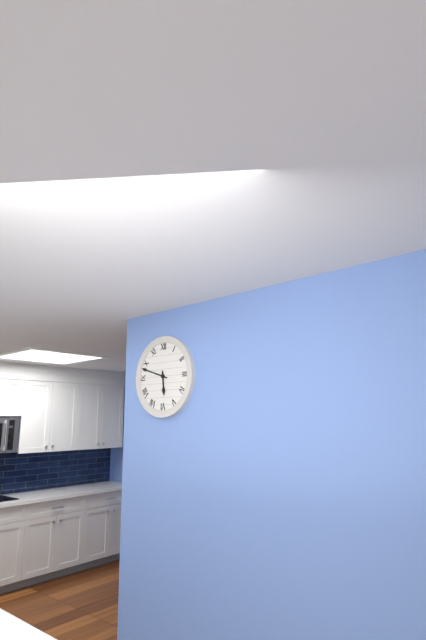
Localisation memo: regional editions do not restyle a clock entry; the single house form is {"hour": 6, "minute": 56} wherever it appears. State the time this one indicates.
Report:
{"hour": 5, "minute": 48}
